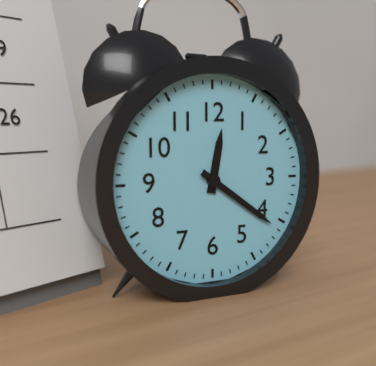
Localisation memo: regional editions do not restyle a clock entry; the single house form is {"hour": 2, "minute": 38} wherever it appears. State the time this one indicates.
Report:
{"hour": 12, "minute": 21}
